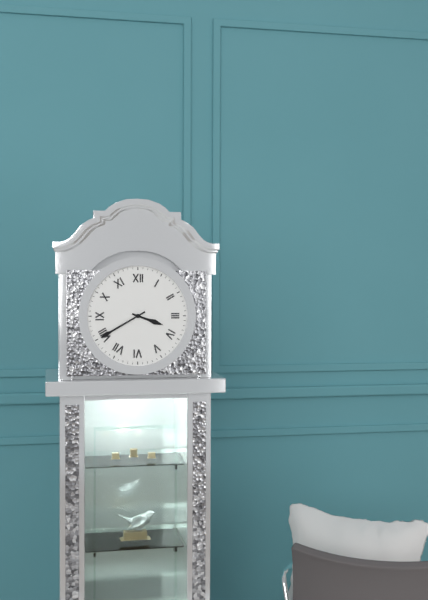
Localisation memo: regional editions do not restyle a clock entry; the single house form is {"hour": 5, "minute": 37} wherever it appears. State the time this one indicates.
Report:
{"hour": 3, "minute": 40}
